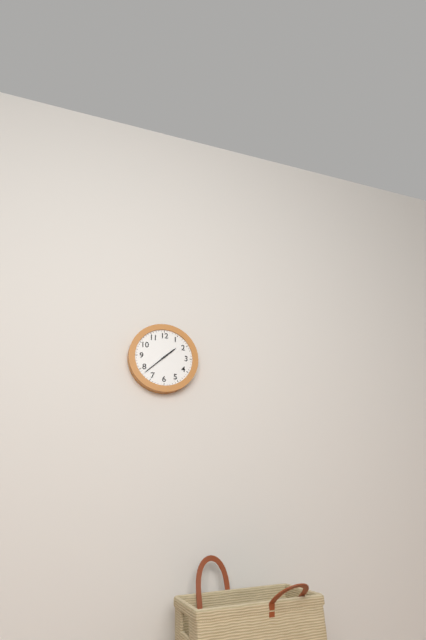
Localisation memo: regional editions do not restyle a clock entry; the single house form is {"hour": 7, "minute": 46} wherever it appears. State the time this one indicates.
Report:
{"hour": 1, "minute": 38}
